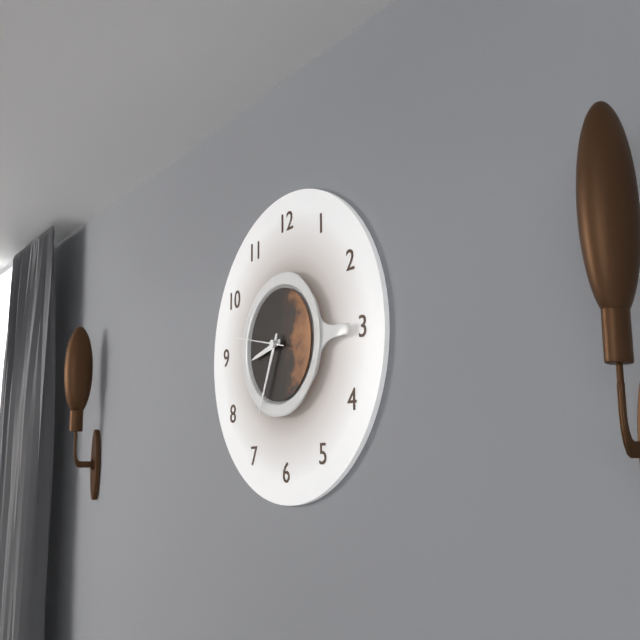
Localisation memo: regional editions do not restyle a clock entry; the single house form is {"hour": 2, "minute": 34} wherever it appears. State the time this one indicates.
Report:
{"hour": 8, "minute": 34}
